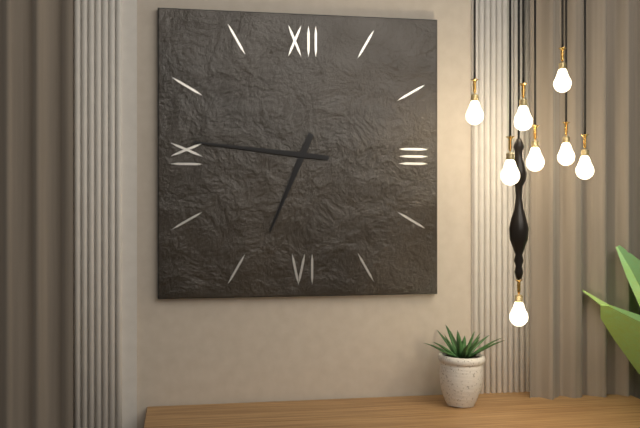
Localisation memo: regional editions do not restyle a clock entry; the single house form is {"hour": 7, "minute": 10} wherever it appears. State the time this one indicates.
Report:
{"hour": 6, "minute": 46}
